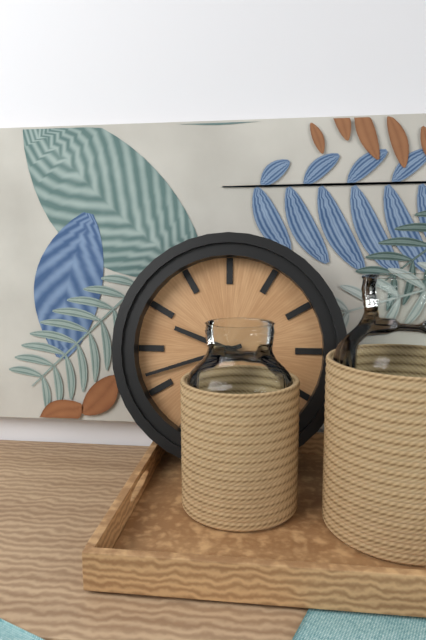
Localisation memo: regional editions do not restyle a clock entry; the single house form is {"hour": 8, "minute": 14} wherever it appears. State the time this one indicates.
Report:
{"hour": 9, "minute": 42}
